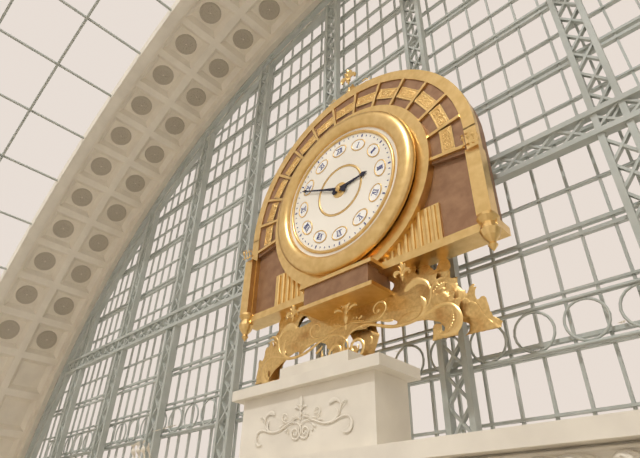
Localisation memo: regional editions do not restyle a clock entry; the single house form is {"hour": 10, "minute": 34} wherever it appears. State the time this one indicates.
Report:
{"hour": 2, "minute": 49}
